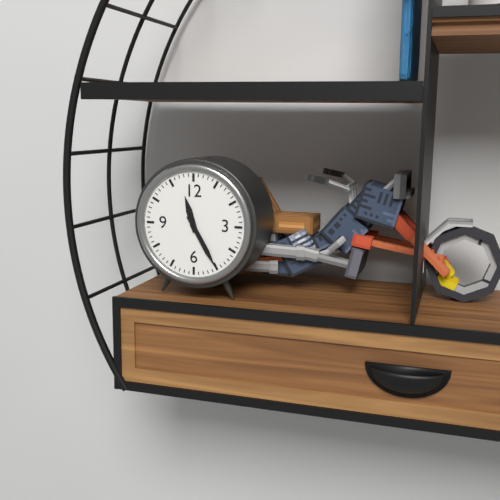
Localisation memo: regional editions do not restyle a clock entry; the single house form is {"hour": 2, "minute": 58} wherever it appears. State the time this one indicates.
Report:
{"hour": 11, "minute": 25}
